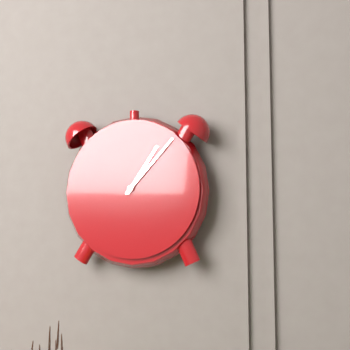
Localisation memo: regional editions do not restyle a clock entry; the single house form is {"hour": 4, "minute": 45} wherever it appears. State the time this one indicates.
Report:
{"hour": 1, "minute": 7}
